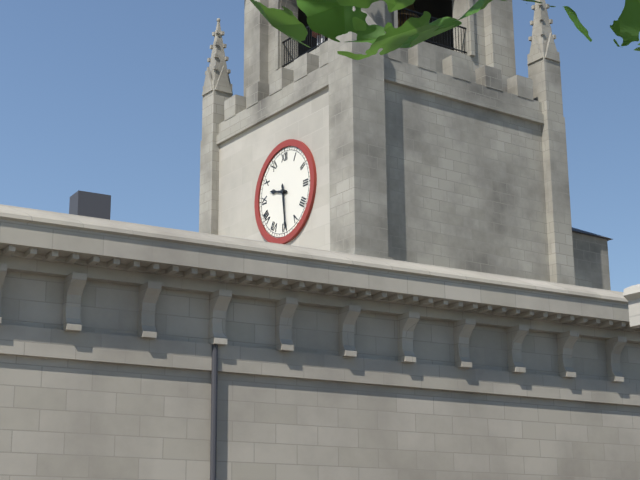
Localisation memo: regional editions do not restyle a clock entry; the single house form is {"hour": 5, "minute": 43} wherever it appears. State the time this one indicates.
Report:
{"hour": 9, "minute": 29}
